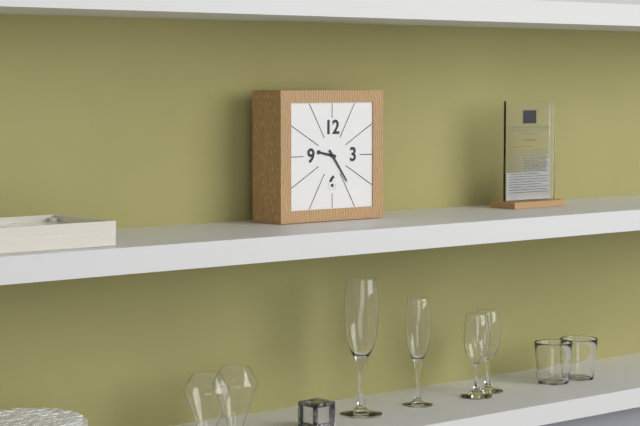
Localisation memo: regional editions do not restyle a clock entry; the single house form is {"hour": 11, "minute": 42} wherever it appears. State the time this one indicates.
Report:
{"hour": 9, "minute": 24}
